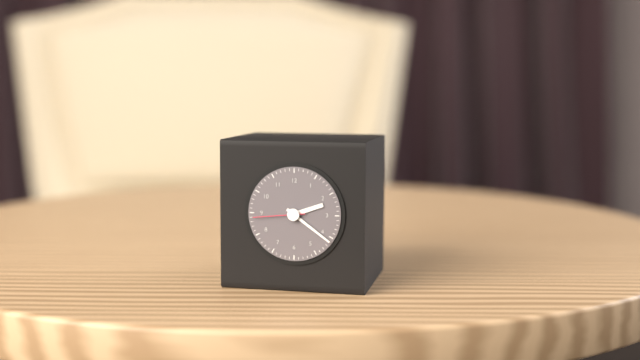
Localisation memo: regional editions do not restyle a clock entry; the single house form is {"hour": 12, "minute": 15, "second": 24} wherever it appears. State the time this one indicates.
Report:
{"hour": 2, "minute": 21, "second": 44}
